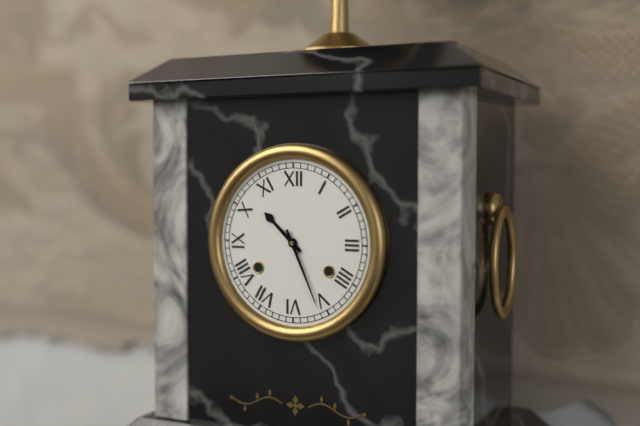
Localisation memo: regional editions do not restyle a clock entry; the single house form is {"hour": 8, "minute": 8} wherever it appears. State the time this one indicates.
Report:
{"hour": 10, "minute": 26}
